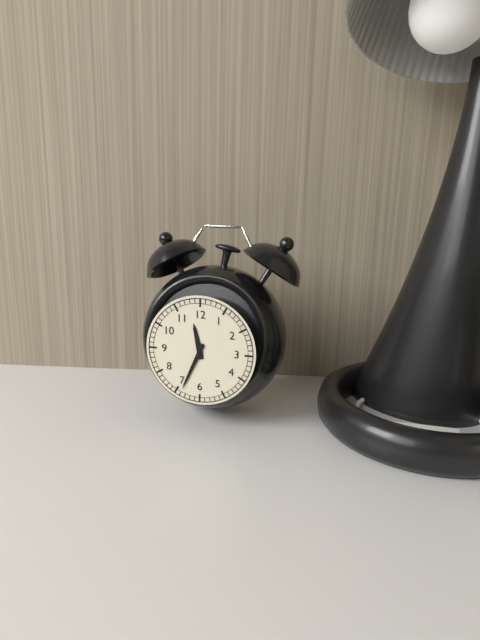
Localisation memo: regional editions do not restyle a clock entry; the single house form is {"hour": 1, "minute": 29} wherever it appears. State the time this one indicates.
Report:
{"hour": 11, "minute": 34}
